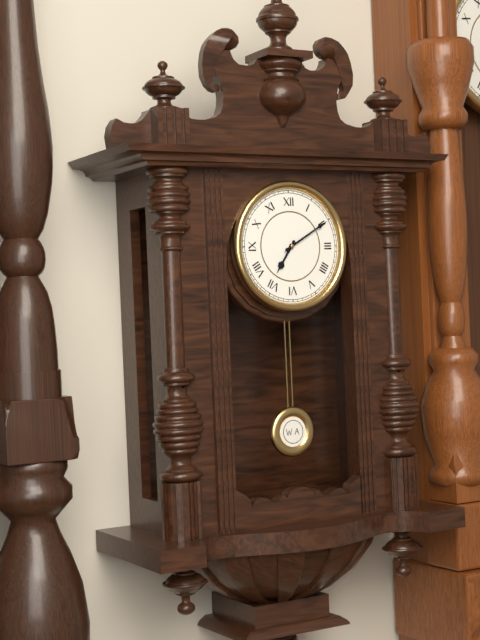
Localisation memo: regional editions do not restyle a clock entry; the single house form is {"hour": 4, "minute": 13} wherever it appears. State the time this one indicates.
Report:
{"hour": 7, "minute": 10}
